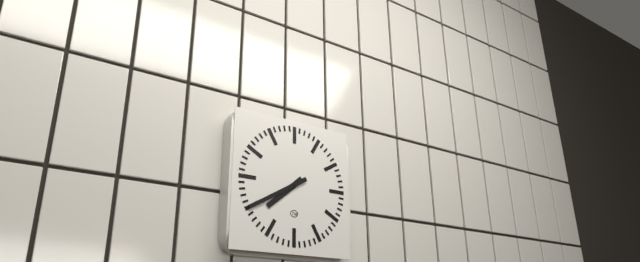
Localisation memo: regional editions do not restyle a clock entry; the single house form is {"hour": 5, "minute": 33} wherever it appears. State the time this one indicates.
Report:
{"hour": 7, "minute": 40}
